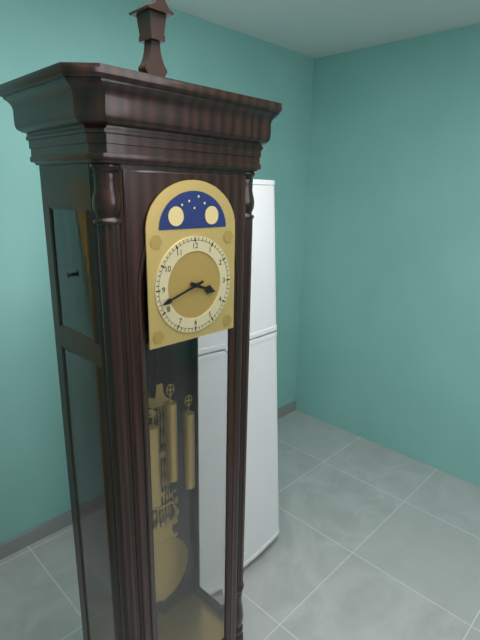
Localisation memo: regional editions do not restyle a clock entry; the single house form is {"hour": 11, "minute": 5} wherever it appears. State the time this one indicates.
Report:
{"hour": 3, "minute": 42}
